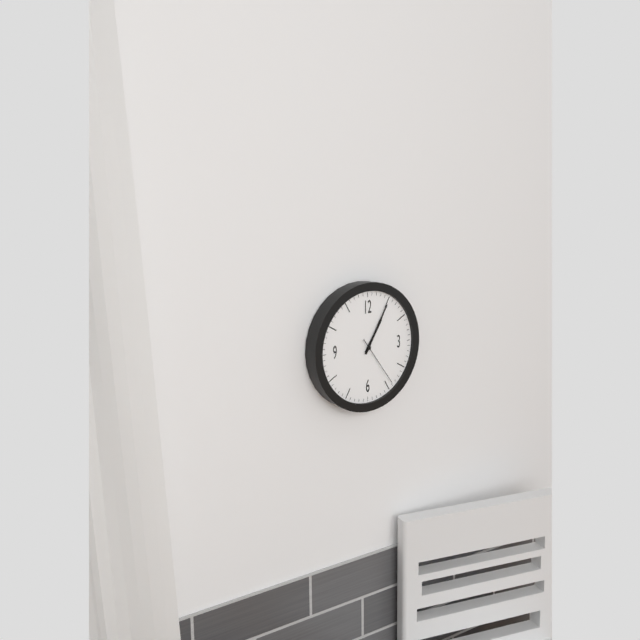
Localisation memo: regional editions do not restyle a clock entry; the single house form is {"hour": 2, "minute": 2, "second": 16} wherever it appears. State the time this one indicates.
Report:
{"hour": 1, "minute": 5, "second": 24}
